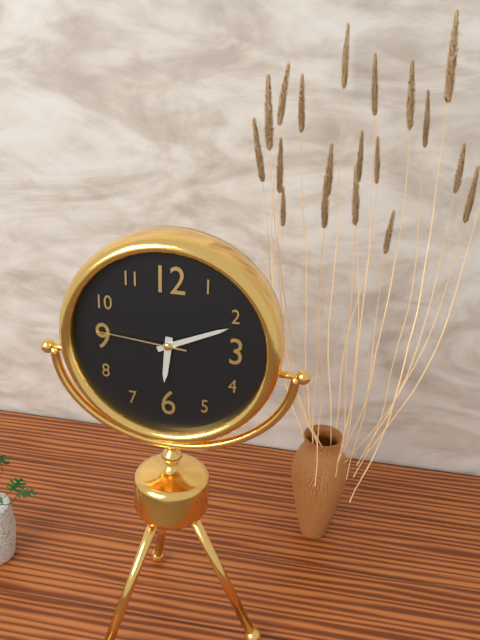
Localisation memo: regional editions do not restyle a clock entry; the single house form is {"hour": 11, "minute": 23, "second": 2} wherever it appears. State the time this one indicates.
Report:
{"hour": 6, "minute": 11, "second": 46}
